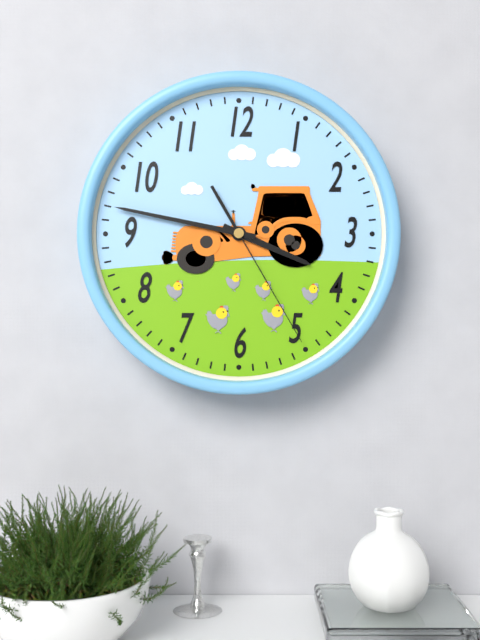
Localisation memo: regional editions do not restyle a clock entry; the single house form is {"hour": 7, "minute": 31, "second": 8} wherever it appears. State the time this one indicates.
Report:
{"hour": 3, "minute": 47, "second": 25}
